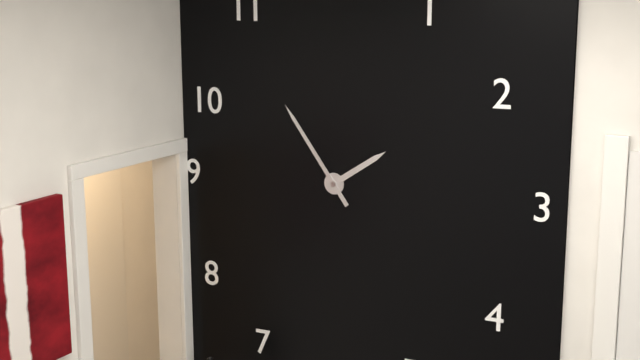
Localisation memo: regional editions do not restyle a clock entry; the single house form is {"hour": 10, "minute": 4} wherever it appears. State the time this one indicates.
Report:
{"hour": 1, "minute": 54}
